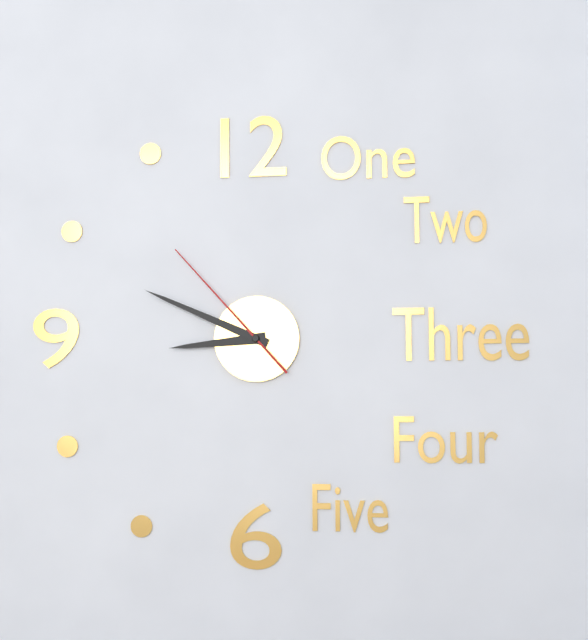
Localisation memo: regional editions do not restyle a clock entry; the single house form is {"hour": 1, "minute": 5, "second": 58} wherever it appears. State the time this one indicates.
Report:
{"hour": 8, "minute": 49, "second": 53}
